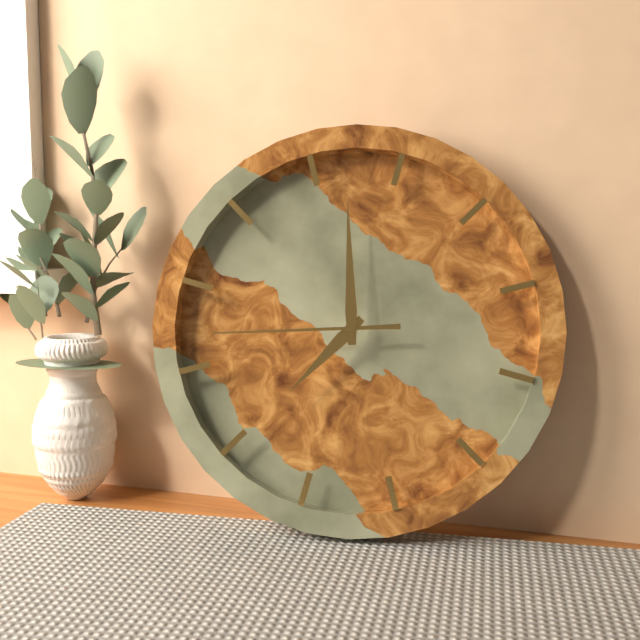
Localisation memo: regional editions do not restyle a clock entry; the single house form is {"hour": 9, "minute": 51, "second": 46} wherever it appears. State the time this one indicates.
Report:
{"hour": 6, "minute": 57, "second": 42}
